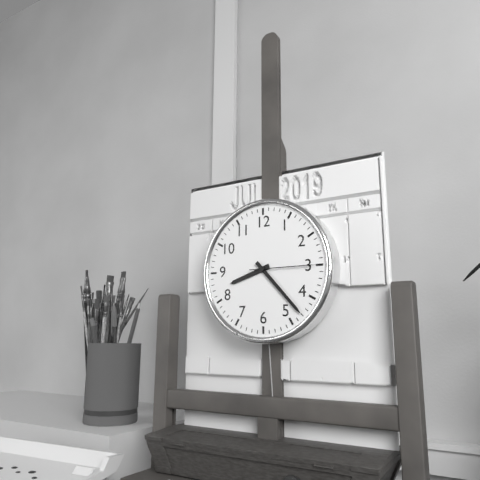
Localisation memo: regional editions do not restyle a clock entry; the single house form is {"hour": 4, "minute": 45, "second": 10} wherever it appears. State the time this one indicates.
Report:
{"hour": 8, "minute": 23, "second": 15}
